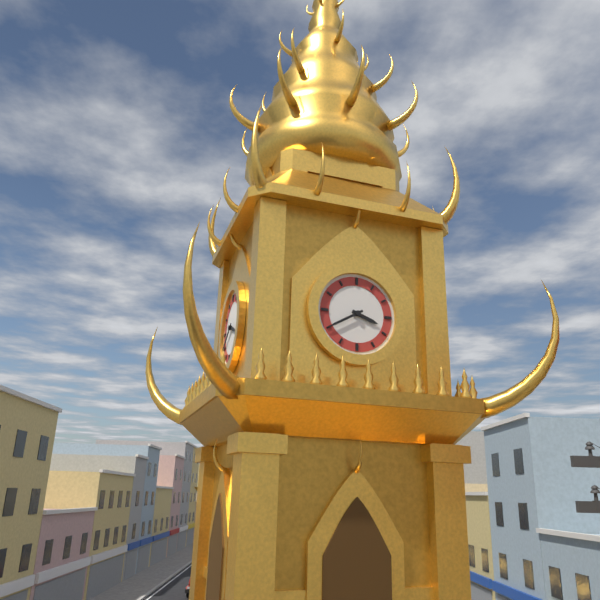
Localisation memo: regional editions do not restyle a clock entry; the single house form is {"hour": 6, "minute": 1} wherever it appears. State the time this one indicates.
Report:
{"hour": 3, "minute": 40}
